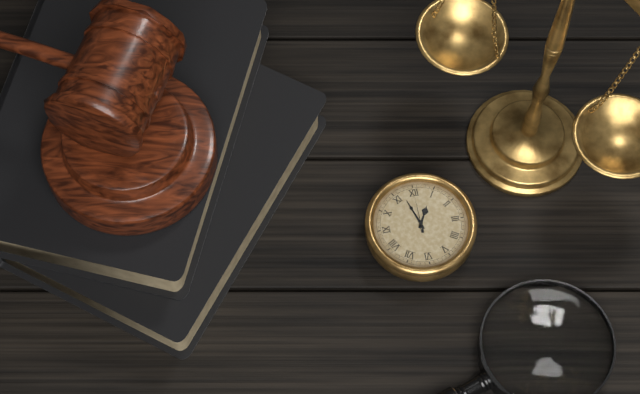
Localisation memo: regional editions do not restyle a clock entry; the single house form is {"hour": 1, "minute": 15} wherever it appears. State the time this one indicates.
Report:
{"hour": 12, "minute": 57}
